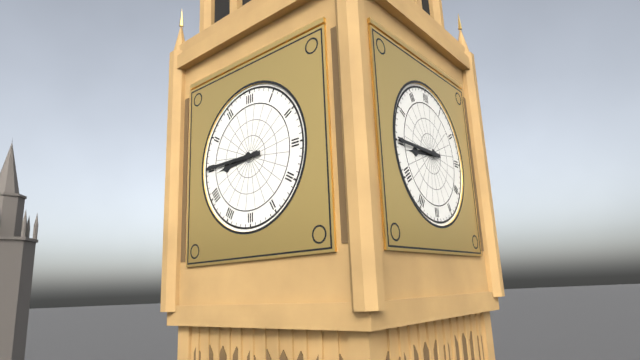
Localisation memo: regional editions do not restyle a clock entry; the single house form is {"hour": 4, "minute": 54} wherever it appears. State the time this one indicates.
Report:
{"hour": 8, "minute": 45}
